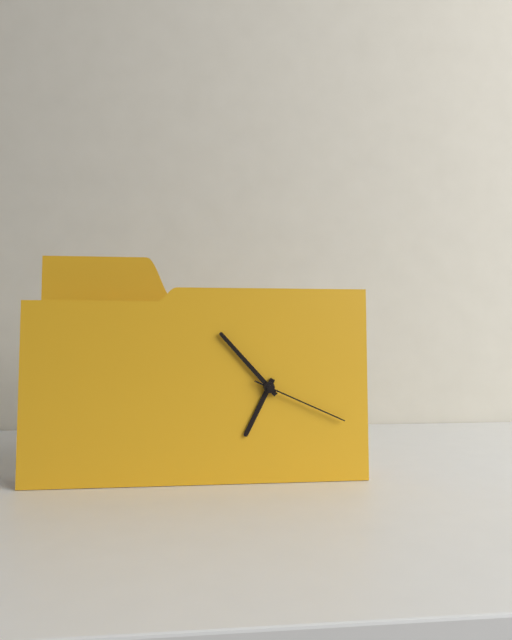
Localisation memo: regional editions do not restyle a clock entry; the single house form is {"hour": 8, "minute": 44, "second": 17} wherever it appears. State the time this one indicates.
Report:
{"hour": 6, "minute": 53, "second": 19}
